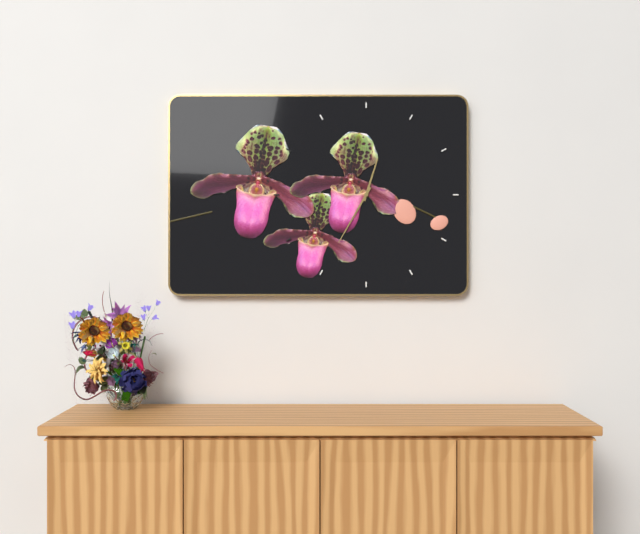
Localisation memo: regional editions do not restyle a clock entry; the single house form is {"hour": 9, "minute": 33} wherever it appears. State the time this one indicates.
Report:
{"hour": 12, "minute": 35}
